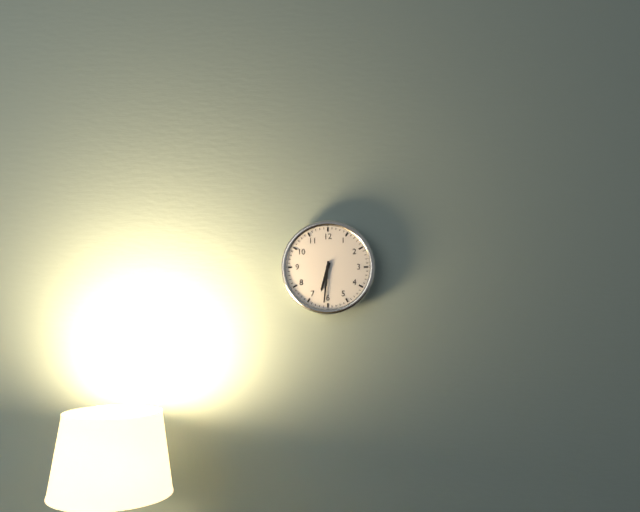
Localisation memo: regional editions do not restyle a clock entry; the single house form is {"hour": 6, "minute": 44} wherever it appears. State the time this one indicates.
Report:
{"hour": 6, "minute": 31}
